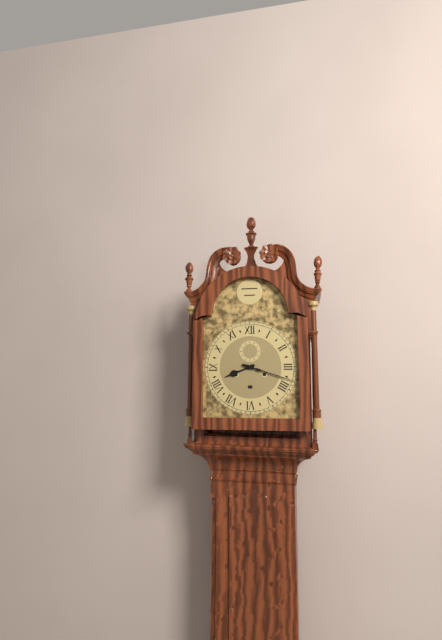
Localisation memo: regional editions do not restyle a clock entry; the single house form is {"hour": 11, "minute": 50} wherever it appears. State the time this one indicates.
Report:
{"hour": 8, "minute": 18}
